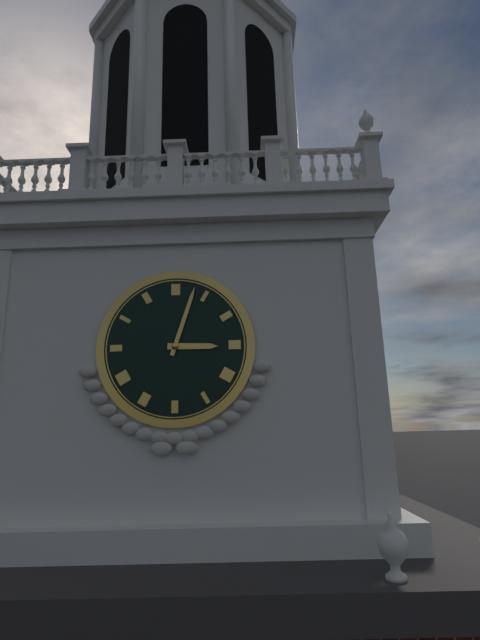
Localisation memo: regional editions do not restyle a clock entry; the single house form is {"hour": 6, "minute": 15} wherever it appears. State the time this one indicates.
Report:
{"hour": 3, "minute": 3}
